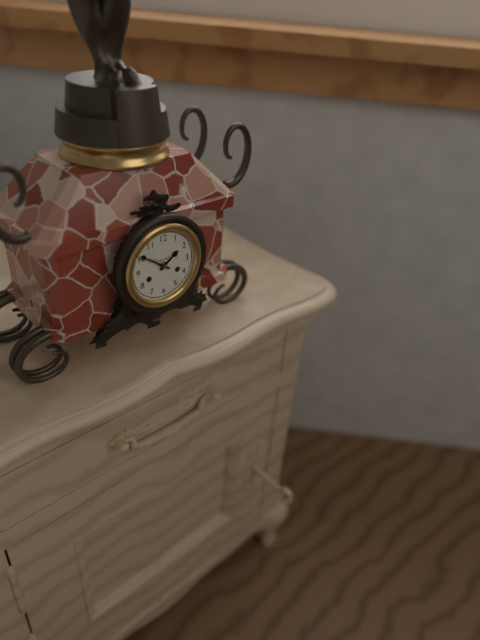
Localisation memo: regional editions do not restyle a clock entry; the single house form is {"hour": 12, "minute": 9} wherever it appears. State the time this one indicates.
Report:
{"hour": 1, "minute": 51}
